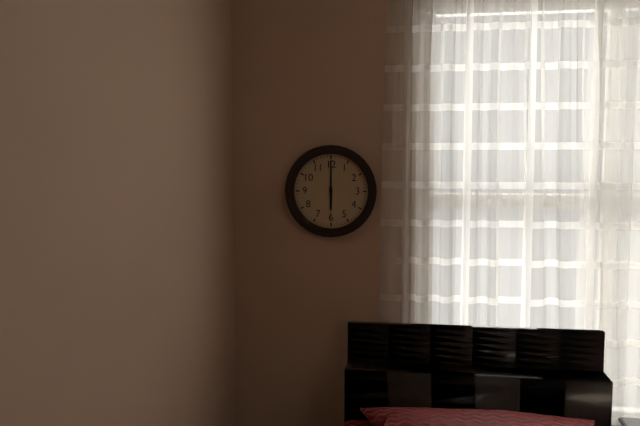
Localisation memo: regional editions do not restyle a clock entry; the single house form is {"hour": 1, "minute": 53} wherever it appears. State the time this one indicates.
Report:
{"hour": 6, "minute": 0}
